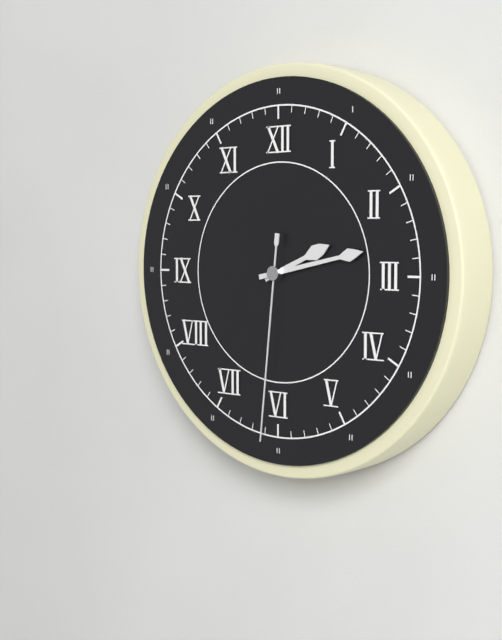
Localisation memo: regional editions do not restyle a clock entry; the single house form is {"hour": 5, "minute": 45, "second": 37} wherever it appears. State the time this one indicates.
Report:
{"hour": 2, "minute": 13, "second": 31}
